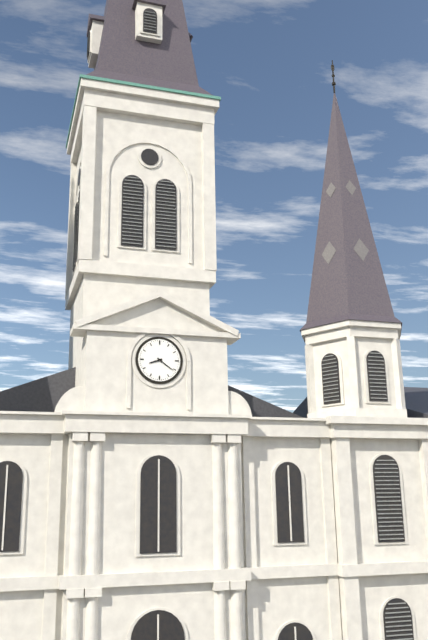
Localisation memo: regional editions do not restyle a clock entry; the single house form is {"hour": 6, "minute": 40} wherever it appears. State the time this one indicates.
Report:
{"hour": 8, "minute": 21}
